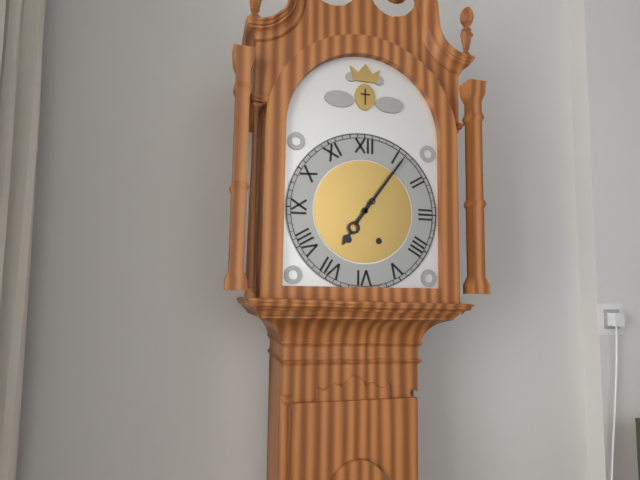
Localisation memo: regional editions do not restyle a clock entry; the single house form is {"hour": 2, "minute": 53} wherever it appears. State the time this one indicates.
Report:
{"hour": 7, "minute": 6}
